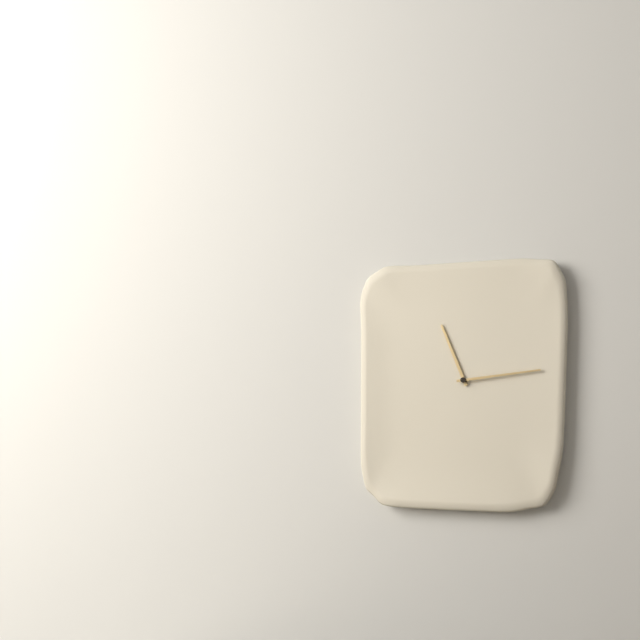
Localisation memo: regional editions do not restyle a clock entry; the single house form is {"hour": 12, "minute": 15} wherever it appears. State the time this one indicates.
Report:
{"hour": 11, "minute": 14}
